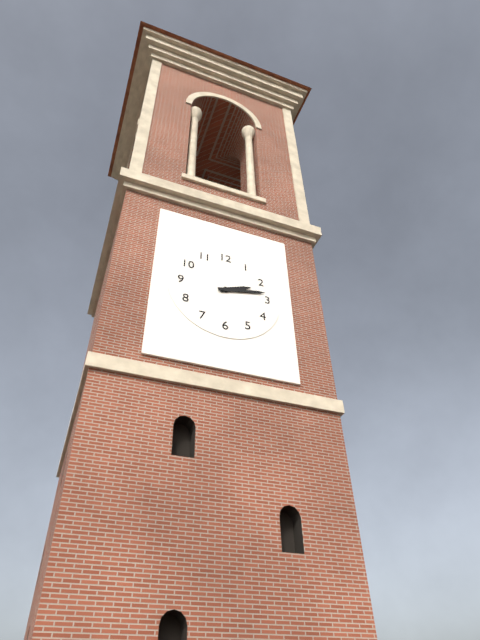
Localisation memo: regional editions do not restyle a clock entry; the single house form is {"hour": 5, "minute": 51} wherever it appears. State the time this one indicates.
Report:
{"hour": 2, "minute": 13}
